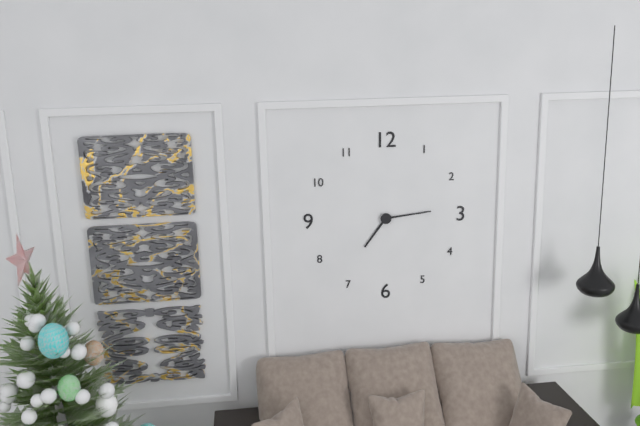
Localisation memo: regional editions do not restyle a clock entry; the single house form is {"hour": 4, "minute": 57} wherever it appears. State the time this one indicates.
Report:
{"hour": 7, "minute": 14}
